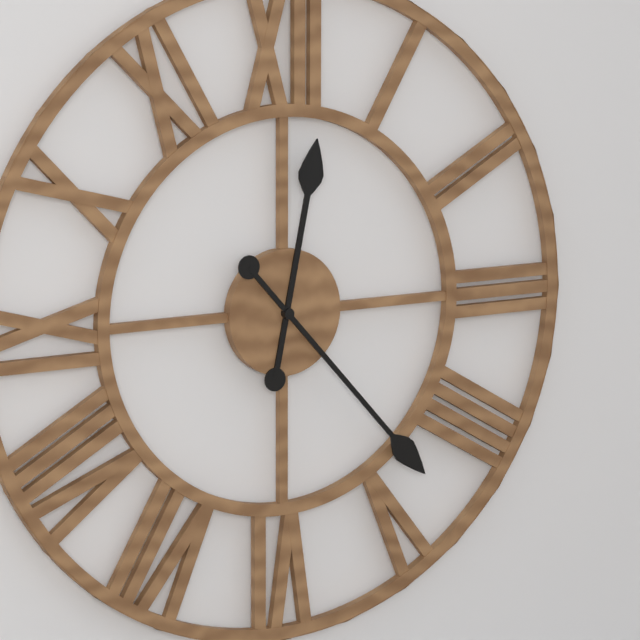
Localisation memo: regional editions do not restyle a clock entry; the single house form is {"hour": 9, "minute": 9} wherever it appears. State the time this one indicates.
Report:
{"hour": 12, "minute": 23}
